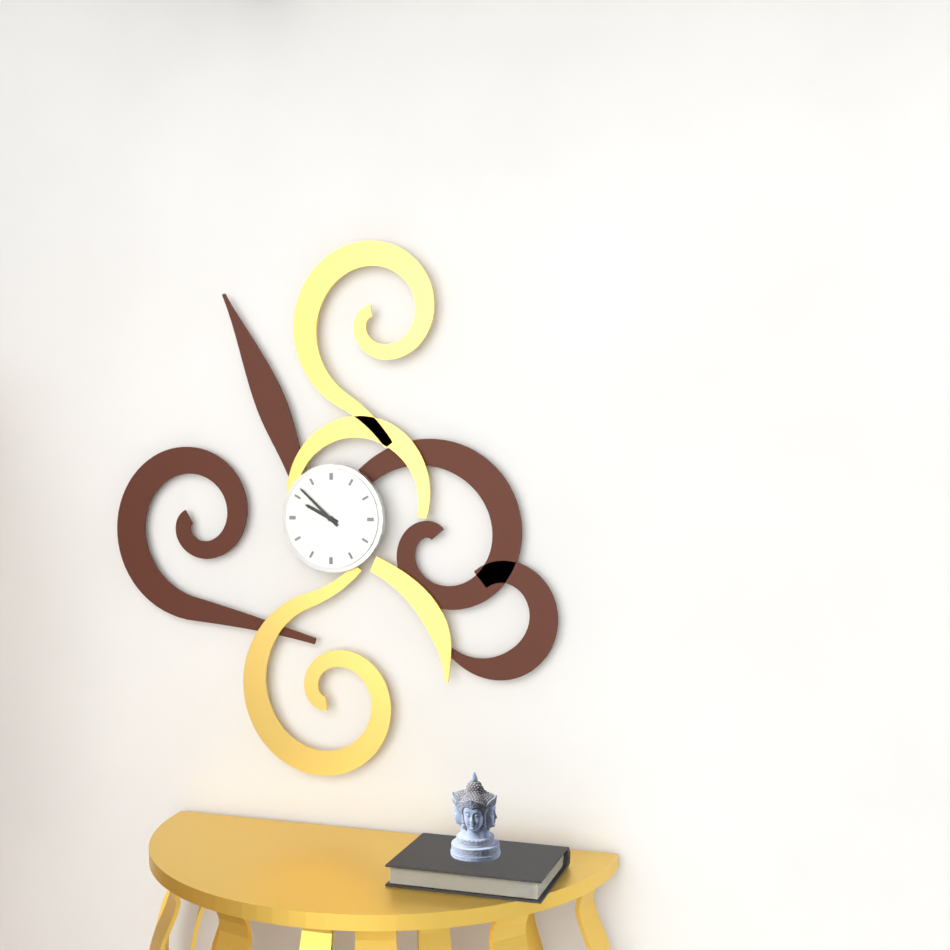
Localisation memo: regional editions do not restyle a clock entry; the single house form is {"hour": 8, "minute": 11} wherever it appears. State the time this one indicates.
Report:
{"hour": 9, "minute": 52}
